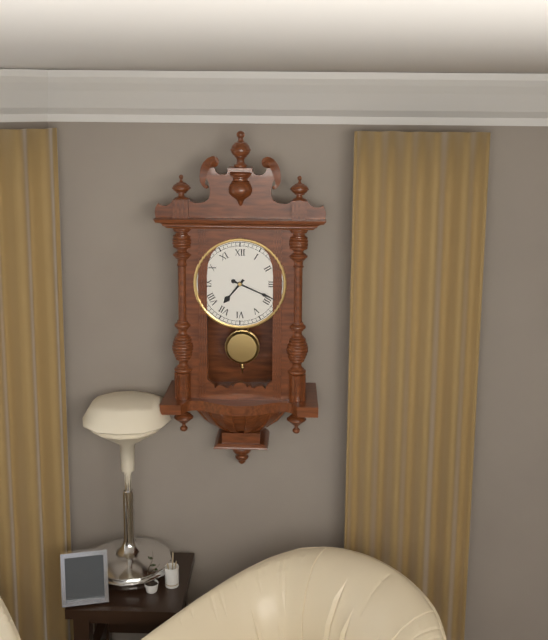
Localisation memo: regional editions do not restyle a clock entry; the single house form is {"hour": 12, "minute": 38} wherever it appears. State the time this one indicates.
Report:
{"hour": 7, "minute": 19}
